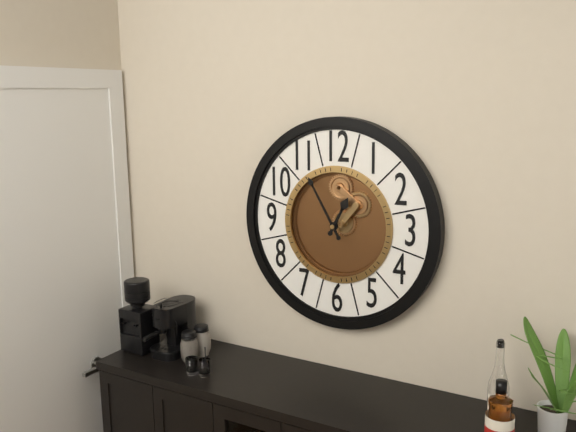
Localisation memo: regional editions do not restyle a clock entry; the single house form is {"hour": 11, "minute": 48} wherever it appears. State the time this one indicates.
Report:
{"hour": 12, "minute": 55}
